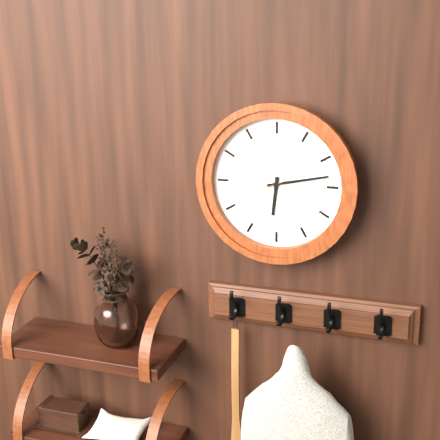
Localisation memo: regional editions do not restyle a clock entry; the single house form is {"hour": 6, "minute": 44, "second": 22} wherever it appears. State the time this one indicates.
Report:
{"hour": 6, "minute": 13, "second": 41}
